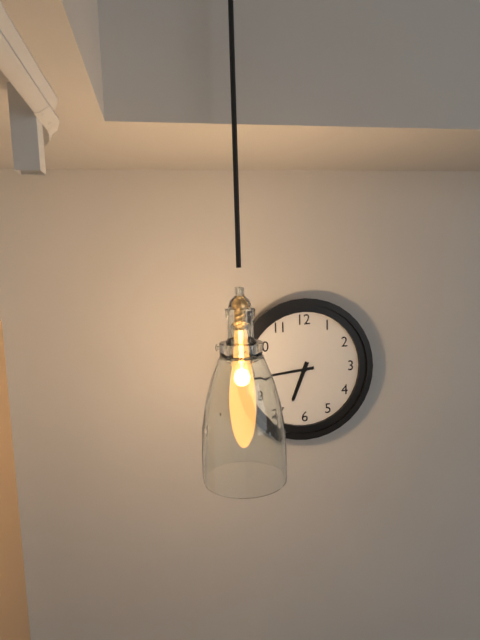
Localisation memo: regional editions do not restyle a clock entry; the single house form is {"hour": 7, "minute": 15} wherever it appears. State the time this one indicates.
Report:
{"hour": 6, "minute": 44}
